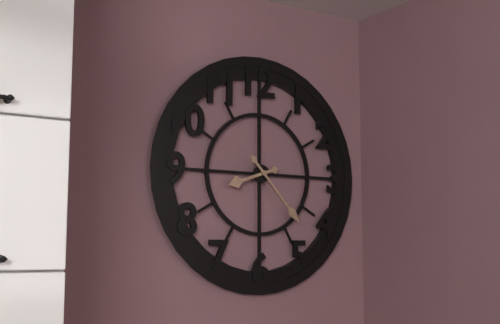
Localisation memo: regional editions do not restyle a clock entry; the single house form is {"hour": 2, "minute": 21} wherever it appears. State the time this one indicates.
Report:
{"hour": 8, "minute": 23}
